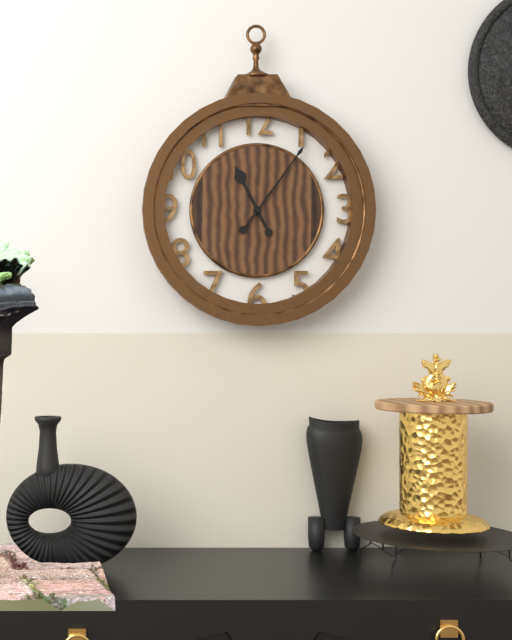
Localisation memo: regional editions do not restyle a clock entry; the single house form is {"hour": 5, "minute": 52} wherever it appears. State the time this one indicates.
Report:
{"hour": 11, "minute": 6}
